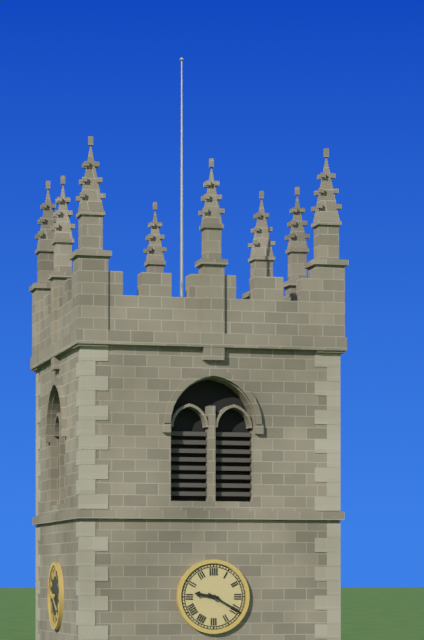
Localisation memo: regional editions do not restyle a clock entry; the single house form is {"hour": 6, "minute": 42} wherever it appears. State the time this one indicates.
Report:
{"hour": 9, "minute": 20}
